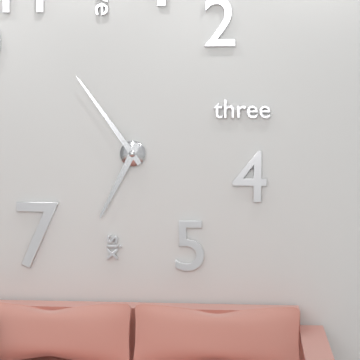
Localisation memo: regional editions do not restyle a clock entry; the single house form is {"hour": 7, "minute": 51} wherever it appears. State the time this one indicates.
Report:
{"hour": 6, "minute": 54}
